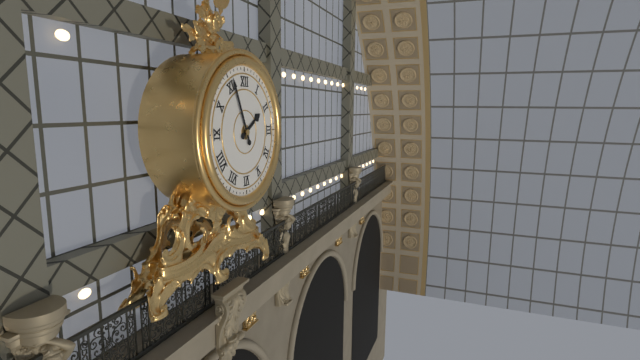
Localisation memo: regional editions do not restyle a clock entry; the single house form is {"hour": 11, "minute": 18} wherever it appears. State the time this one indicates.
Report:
{"hour": 1, "minute": 56}
